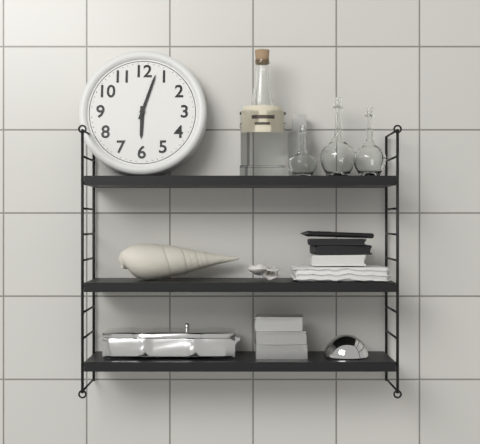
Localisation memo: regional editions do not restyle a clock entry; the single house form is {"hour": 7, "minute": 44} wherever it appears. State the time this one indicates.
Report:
{"hour": 6, "minute": 3}
